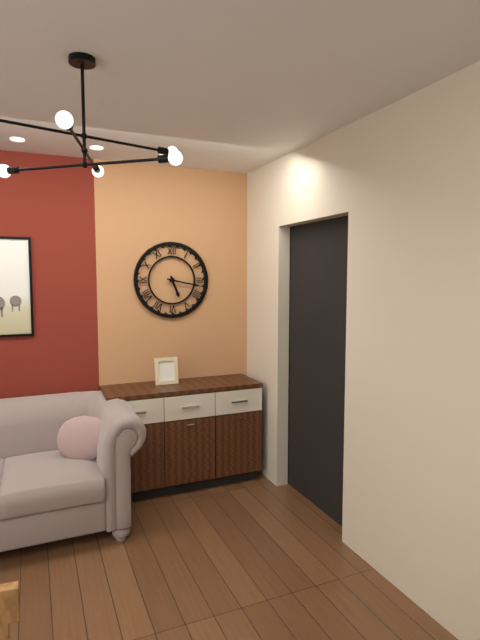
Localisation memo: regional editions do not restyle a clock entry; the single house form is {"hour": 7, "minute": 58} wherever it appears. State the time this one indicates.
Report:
{"hour": 5, "minute": 17}
